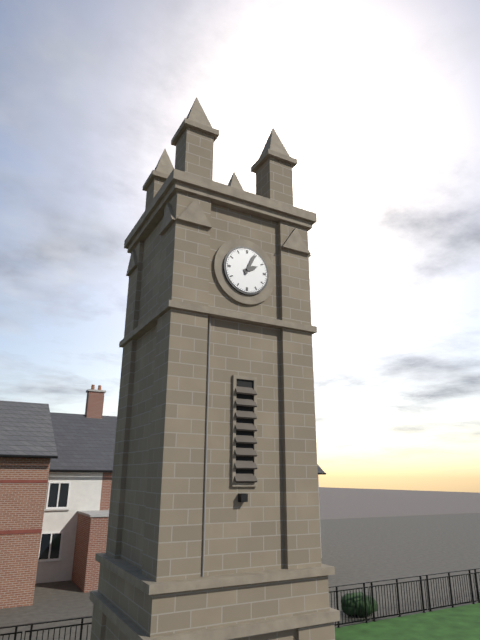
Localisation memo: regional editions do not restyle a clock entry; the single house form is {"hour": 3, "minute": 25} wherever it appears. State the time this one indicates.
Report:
{"hour": 2, "minute": 4}
